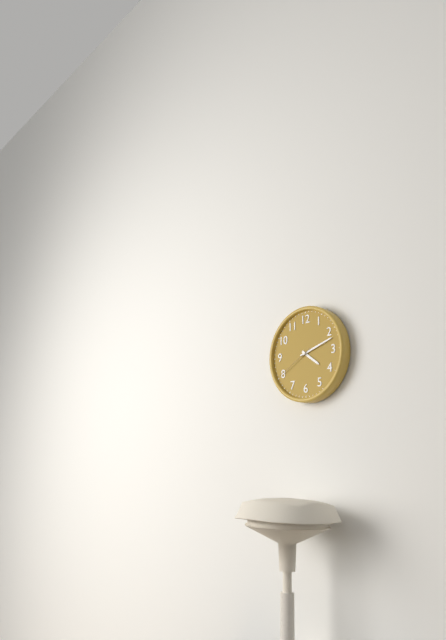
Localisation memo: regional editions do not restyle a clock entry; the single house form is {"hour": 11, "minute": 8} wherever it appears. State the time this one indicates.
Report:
{"hour": 4, "minute": 12}
